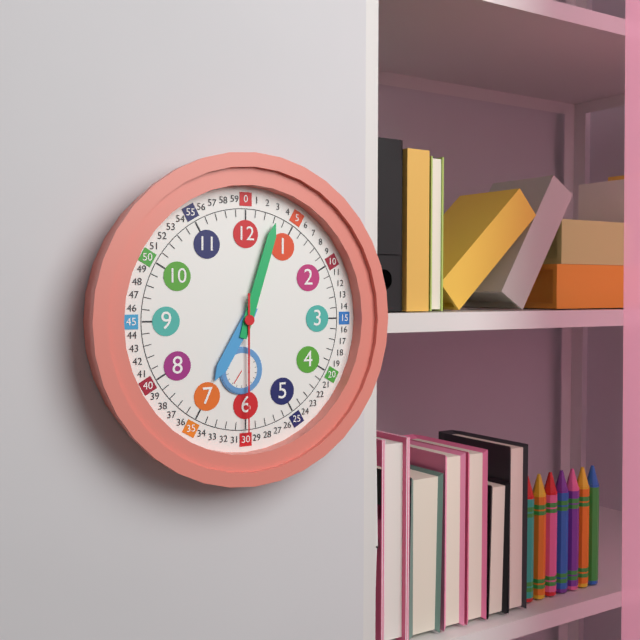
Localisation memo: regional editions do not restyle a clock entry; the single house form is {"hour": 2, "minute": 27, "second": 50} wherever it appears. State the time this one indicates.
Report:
{"hour": 7, "minute": 3, "second": 30}
